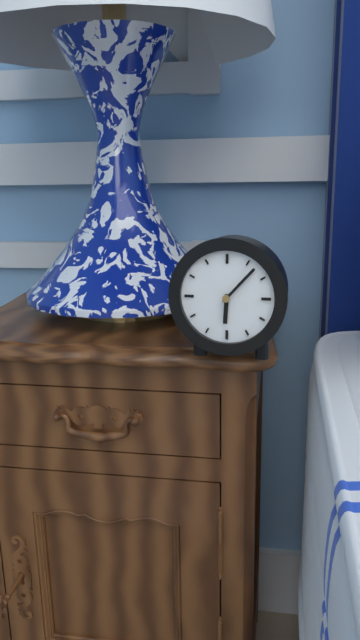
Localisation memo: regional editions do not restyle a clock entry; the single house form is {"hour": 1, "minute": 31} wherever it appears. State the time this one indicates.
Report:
{"hour": 6, "minute": 7}
